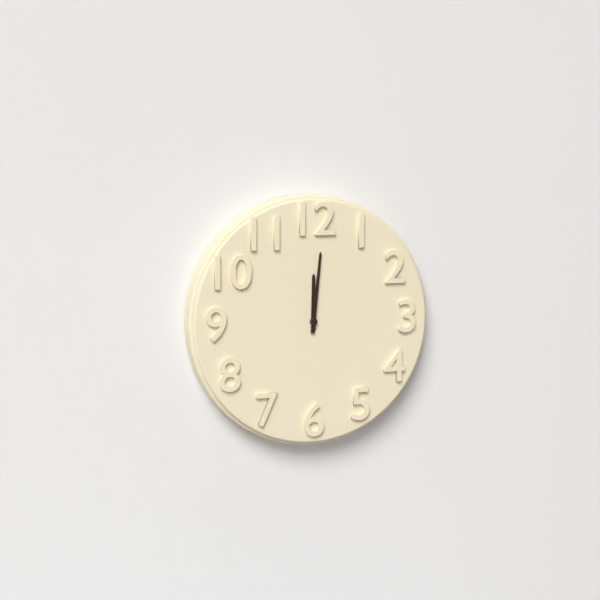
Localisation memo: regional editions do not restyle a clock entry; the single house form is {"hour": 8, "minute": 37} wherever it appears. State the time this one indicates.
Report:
{"hour": 12, "minute": 1}
